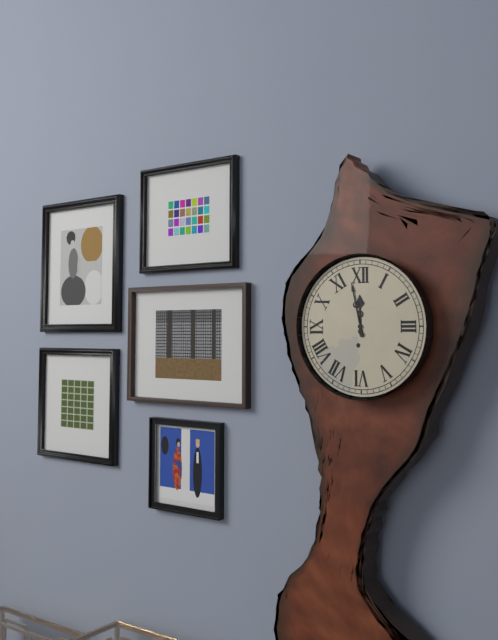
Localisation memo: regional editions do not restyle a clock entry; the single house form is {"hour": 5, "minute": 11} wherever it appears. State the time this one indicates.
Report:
{"hour": 11, "minute": 58}
